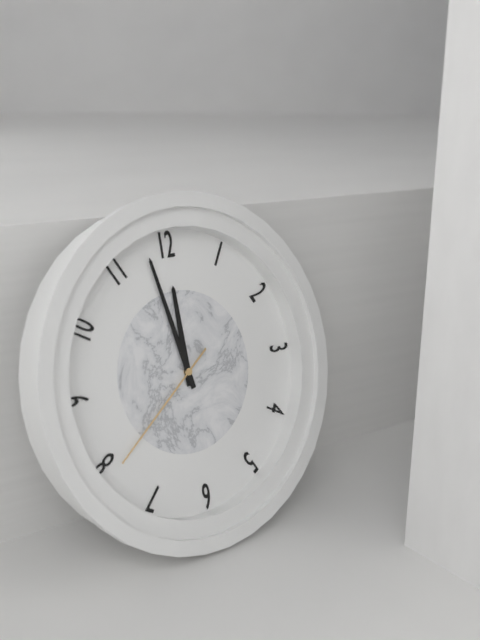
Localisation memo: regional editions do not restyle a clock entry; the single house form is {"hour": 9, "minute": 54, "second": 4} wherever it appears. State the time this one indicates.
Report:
{"hour": 11, "minute": 58, "second": 39}
